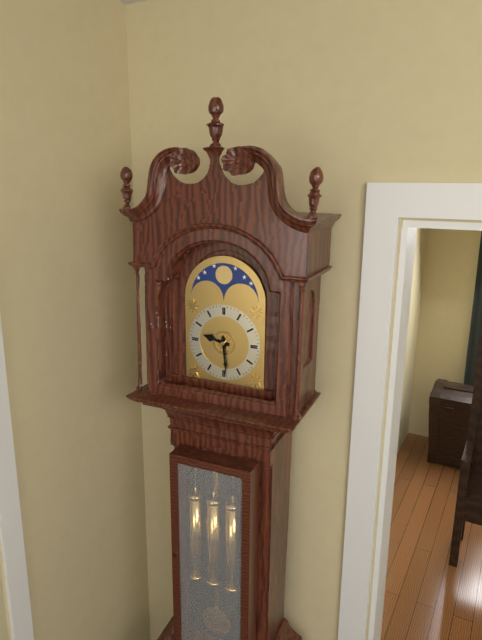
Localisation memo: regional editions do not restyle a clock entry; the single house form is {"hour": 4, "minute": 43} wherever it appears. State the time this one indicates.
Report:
{"hour": 9, "minute": 29}
